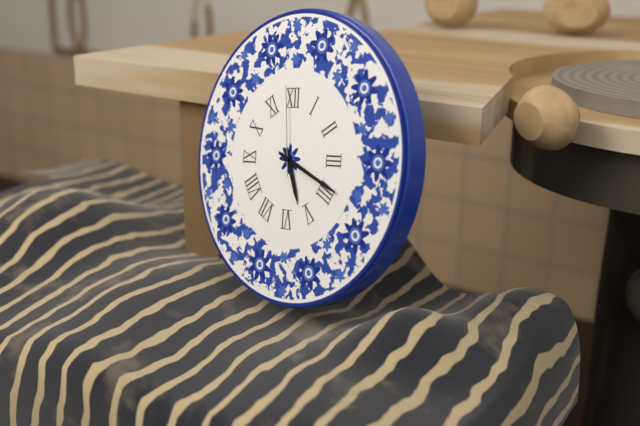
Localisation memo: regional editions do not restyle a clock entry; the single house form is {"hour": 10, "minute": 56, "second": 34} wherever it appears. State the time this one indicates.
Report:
{"hour": 5, "minute": 19, "second": 59}
